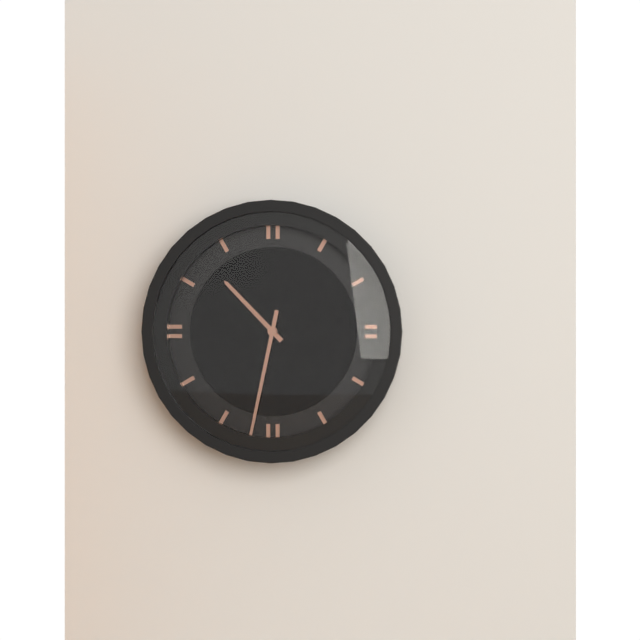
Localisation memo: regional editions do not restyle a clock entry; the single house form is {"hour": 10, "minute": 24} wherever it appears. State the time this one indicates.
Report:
{"hour": 10, "minute": 32}
